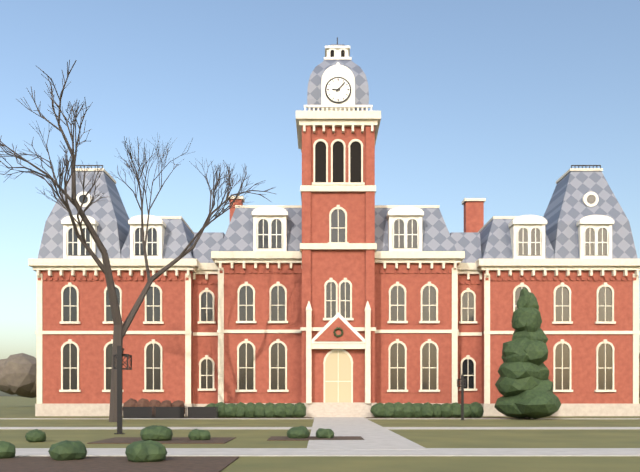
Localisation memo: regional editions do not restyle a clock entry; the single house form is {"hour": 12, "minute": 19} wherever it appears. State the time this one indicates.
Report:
{"hour": 9, "minute": 7}
